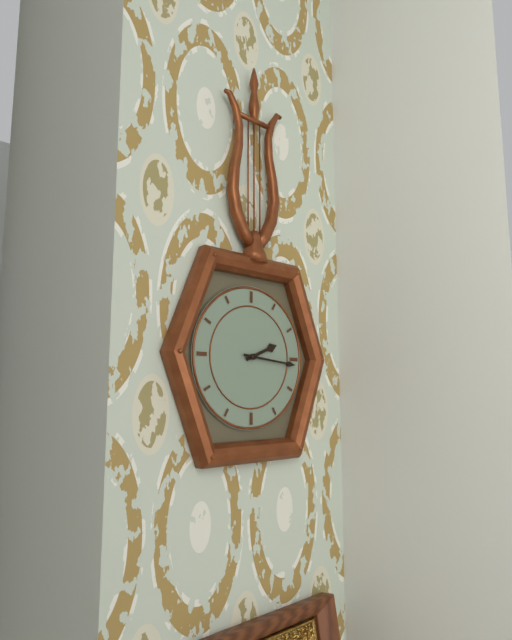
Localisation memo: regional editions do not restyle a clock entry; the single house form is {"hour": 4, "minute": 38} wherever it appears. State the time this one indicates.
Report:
{"hour": 2, "minute": 16}
